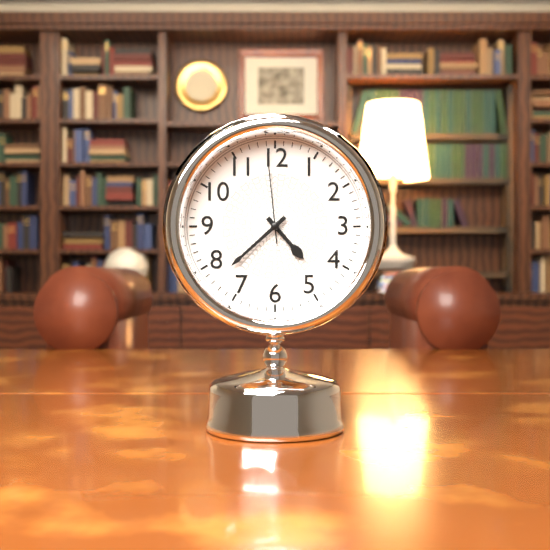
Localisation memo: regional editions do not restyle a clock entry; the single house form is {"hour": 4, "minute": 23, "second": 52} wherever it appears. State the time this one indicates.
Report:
{"hour": 4, "minute": 38, "second": 59}
